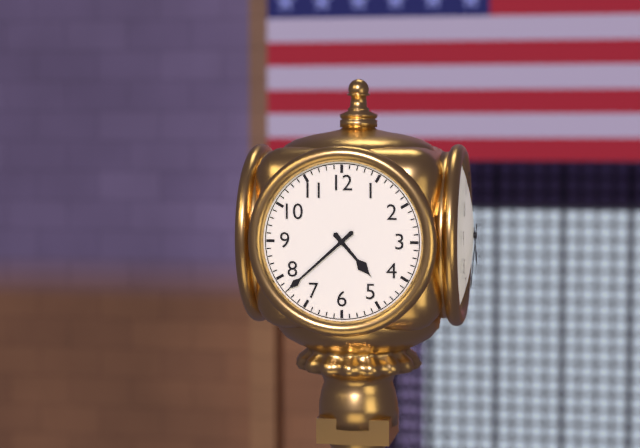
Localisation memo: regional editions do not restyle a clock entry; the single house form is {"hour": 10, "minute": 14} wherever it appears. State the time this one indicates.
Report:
{"hour": 4, "minute": 38}
